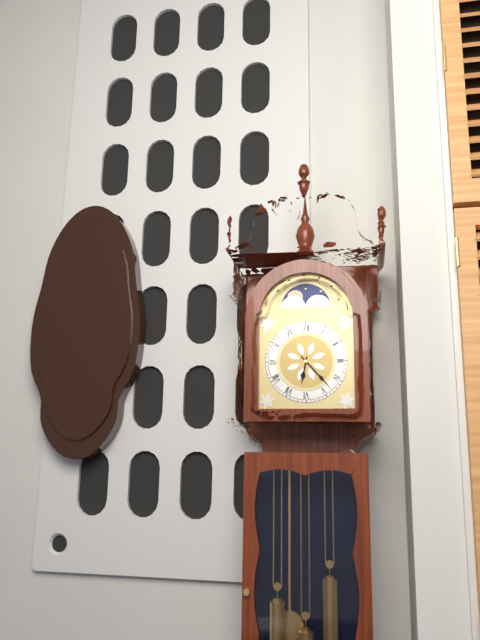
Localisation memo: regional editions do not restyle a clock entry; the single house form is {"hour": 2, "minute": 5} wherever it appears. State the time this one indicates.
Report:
{"hour": 6, "minute": 23}
